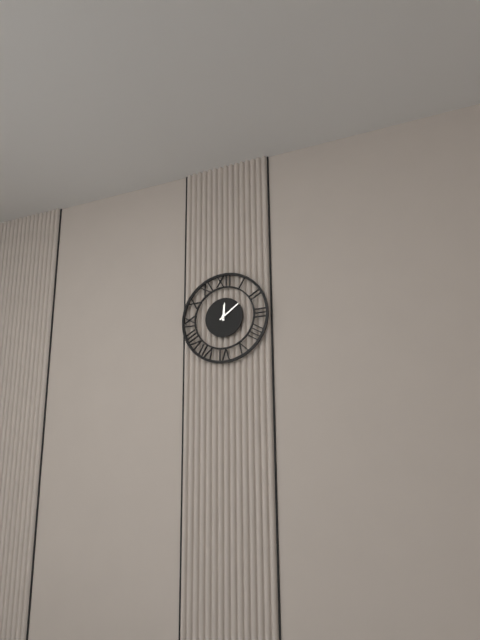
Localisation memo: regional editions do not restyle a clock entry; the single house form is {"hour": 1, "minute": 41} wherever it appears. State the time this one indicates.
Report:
{"hour": 12, "minute": 9}
